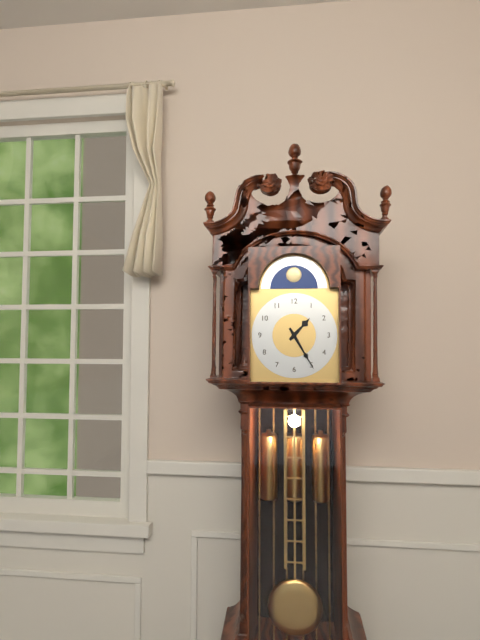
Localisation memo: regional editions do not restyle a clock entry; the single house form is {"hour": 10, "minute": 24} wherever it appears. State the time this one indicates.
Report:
{"hour": 1, "minute": 25}
